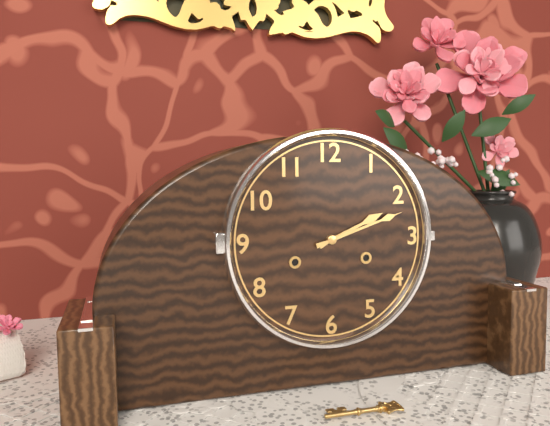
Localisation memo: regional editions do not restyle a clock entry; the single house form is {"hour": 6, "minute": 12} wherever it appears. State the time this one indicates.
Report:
{"hour": 2, "minute": 12}
